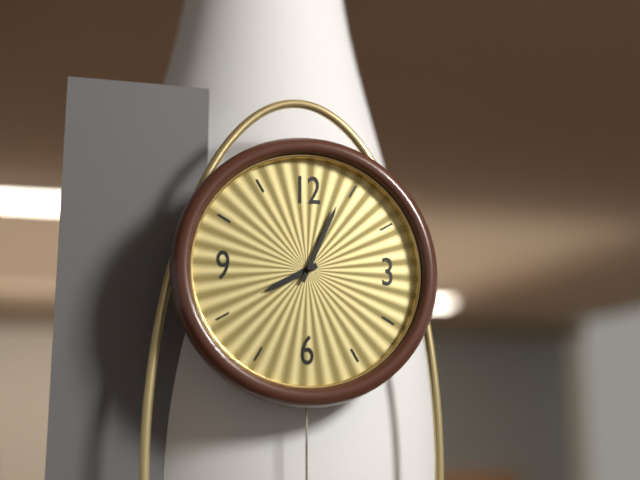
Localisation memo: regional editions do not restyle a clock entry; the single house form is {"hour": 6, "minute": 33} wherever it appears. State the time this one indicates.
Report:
{"hour": 8, "minute": 4}
